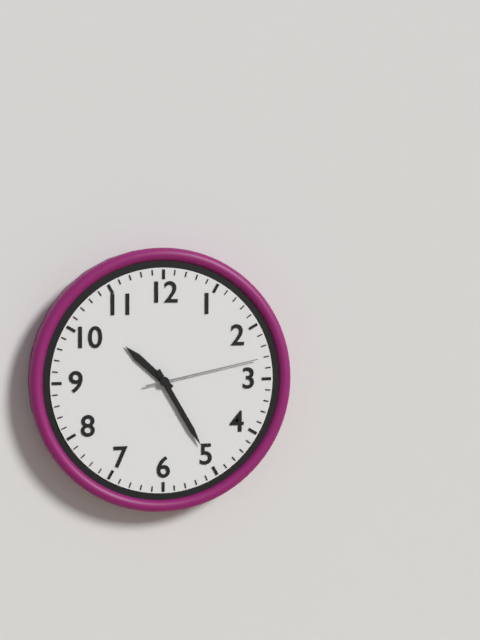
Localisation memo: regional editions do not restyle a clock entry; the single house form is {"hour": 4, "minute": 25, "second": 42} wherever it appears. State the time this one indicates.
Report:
{"hour": 10, "minute": 25, "second": 13}
